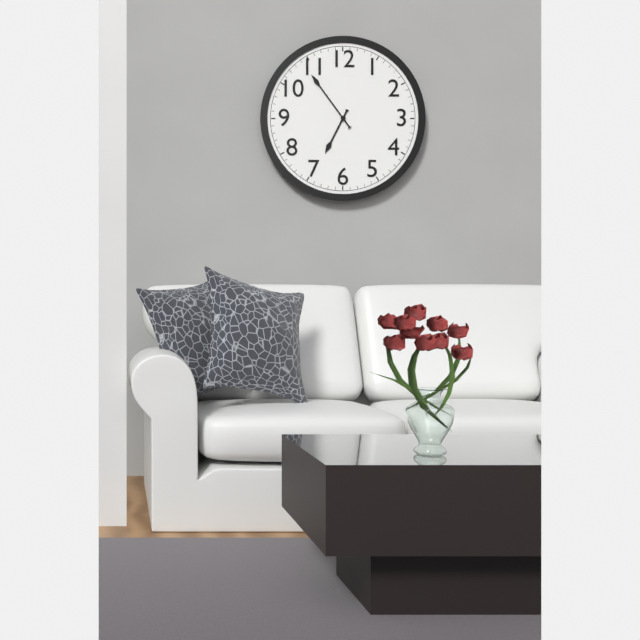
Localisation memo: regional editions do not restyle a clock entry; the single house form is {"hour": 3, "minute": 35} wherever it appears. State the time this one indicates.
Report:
{"hour": 6, "minute": 54}
